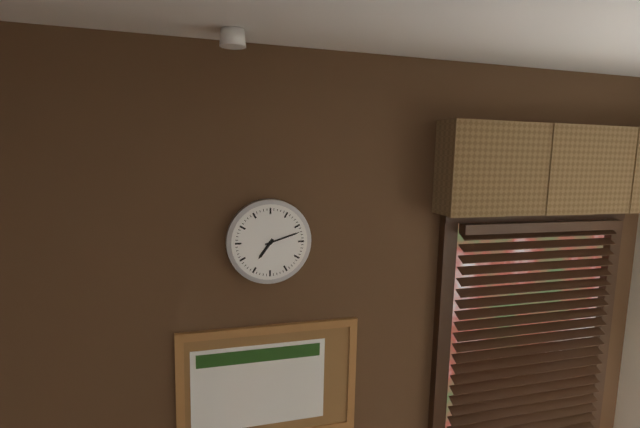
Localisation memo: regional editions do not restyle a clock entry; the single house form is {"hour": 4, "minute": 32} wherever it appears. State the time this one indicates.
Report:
{"hour": 7, "minute": 12}
